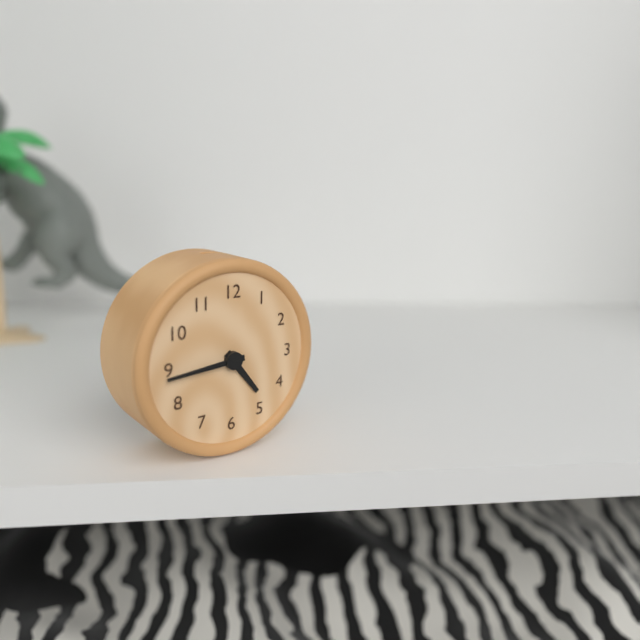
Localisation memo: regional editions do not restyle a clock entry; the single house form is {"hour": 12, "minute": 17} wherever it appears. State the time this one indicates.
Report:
{"hour": 4, "minute": 44}
